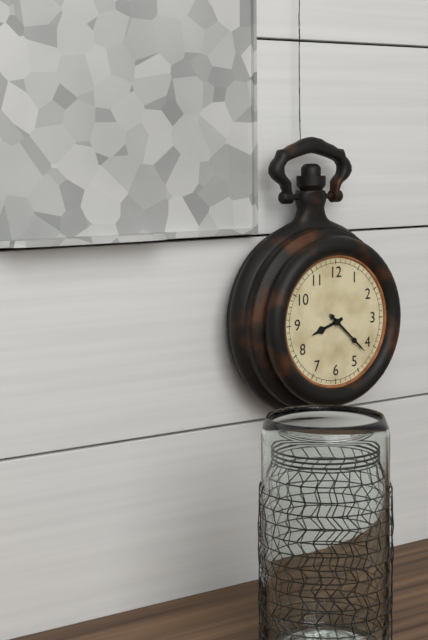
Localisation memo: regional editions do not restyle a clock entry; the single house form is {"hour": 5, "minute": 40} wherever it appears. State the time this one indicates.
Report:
{"hour": 8, "minute": 22}
